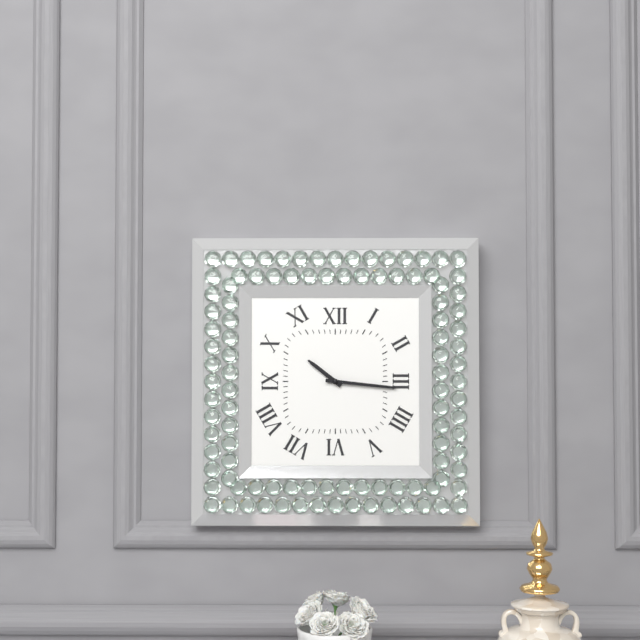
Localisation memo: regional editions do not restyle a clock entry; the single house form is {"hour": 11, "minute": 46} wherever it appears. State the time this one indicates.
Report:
{"hour": 10, "minute": 16}
